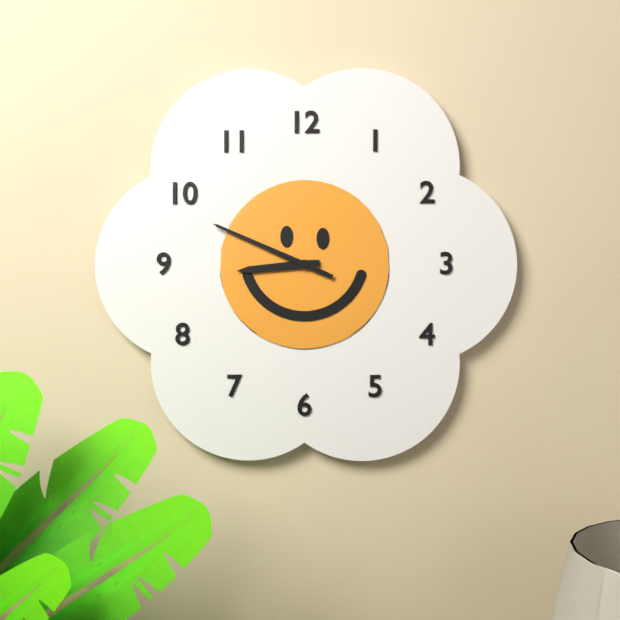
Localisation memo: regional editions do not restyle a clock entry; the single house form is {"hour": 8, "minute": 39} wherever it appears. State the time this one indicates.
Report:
{"hour": 8, "minute": 49}
